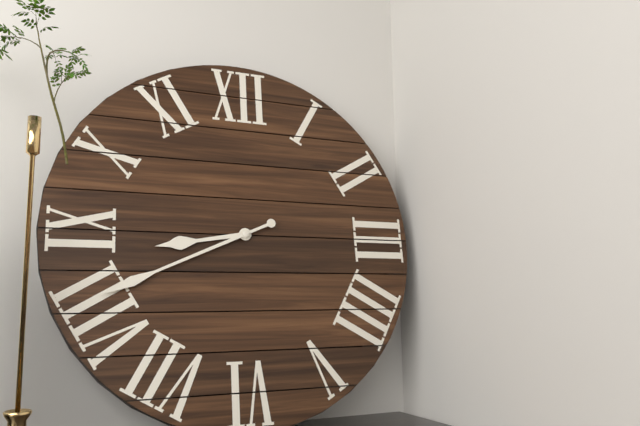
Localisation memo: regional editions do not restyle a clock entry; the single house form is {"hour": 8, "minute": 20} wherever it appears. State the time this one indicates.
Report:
{"hour": 8, "minute": 41}
